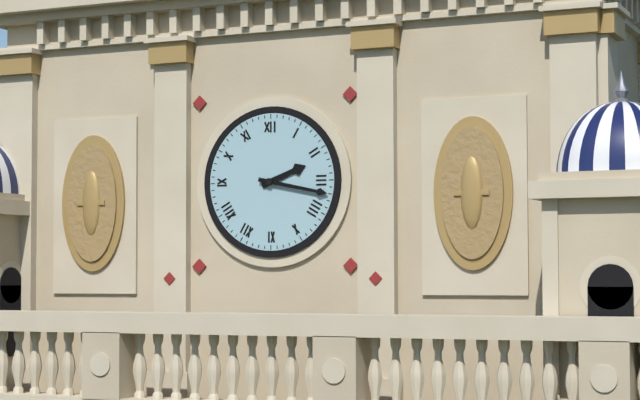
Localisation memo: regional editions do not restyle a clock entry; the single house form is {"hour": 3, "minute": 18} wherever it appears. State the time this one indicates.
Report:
{"hour": 2, "minute": 17}
